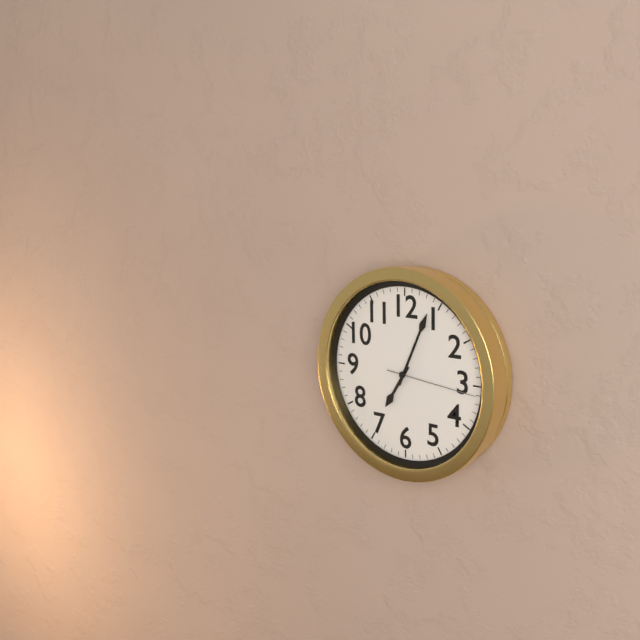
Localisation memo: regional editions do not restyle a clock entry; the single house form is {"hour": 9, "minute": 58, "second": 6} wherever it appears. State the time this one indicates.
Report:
{"hour": 7, "minute": 4, "second": 16}
